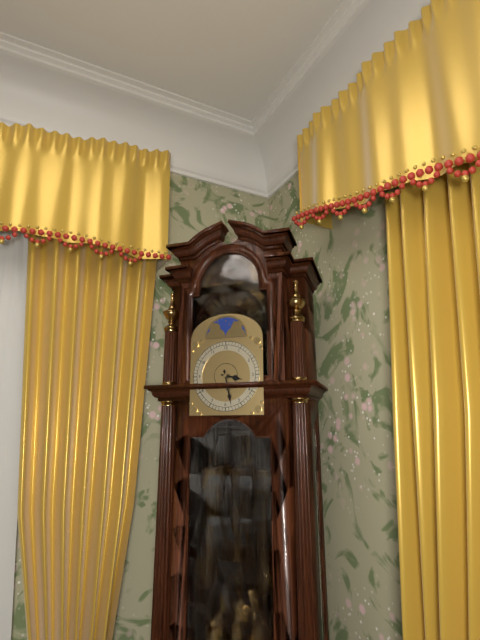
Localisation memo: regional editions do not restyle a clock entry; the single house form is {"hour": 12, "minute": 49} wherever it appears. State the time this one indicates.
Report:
{"hour": 3, "minute": 28}
